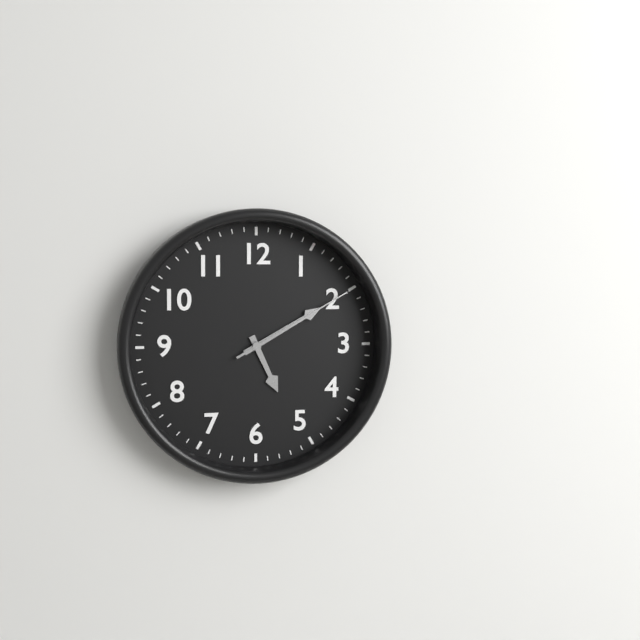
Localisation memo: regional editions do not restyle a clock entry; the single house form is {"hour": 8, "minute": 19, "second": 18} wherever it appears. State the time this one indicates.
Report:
{"hour": 5, "minute": 10, "second": 10}
